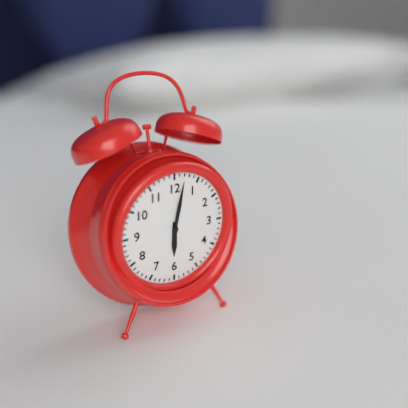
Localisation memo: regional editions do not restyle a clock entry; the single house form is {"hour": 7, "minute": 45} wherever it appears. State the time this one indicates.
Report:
{"hour": 6, "minute": 2}
